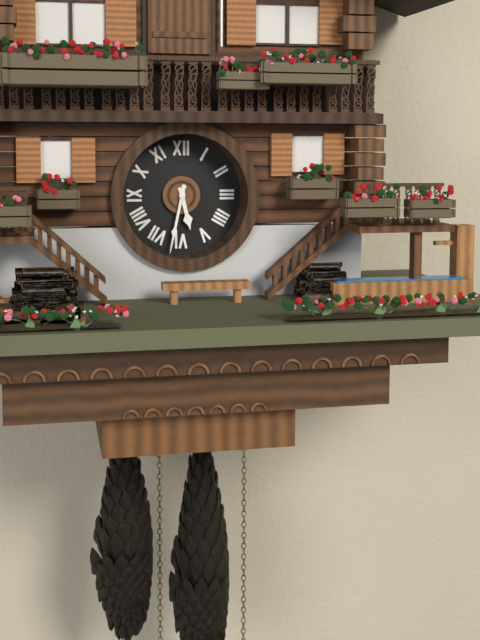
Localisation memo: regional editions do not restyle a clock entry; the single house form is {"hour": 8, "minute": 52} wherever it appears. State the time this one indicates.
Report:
{"hour": 5, "minute": 32}
